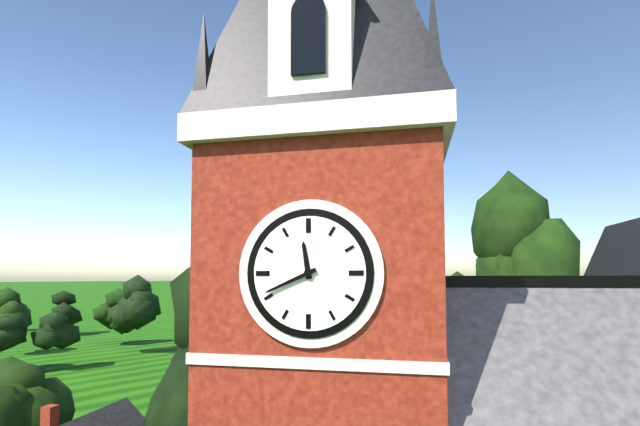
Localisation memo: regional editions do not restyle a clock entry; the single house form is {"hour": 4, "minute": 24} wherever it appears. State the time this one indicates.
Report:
{"hour": 11, "minute": 41}
